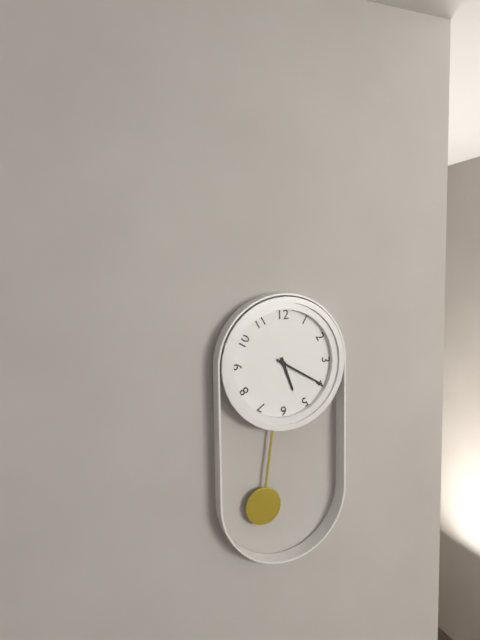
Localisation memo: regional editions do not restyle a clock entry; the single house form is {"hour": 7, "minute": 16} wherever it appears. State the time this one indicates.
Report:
{"hour": 5, "minute": 20}
